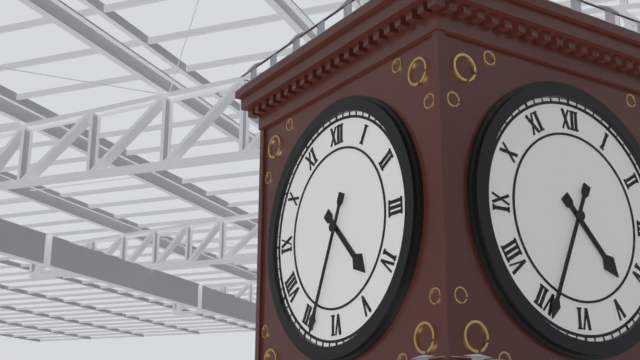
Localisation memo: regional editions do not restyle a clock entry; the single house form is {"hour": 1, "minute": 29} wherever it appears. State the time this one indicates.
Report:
{"hour": 4, "minute": 34}
